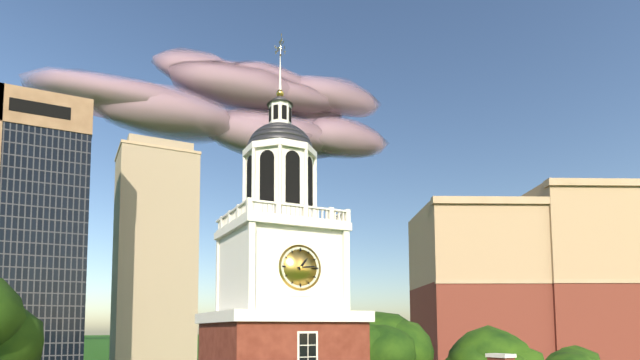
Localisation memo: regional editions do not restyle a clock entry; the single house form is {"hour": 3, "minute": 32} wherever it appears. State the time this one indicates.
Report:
{"hour": 1, "minute": 14}
